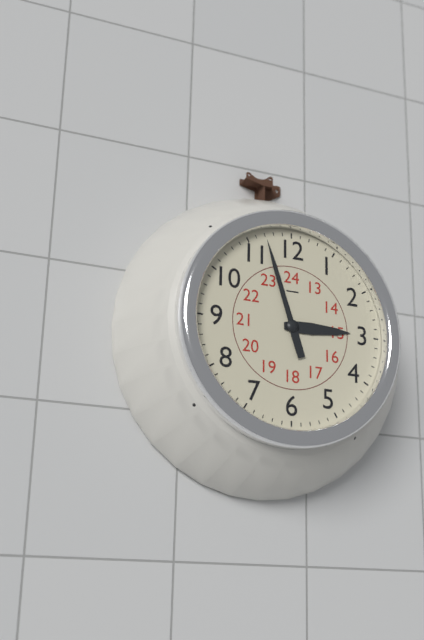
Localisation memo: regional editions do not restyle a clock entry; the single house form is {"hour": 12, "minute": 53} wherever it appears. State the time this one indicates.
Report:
{"hour": 2, "minute": 57}
